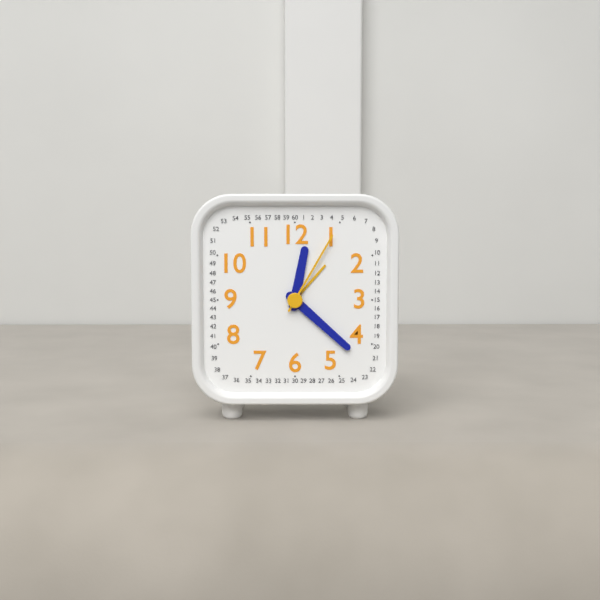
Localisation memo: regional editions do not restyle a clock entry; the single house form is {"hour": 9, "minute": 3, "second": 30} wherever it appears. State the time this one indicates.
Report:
{"hour": 12, "minute": 22, "second": 5}
